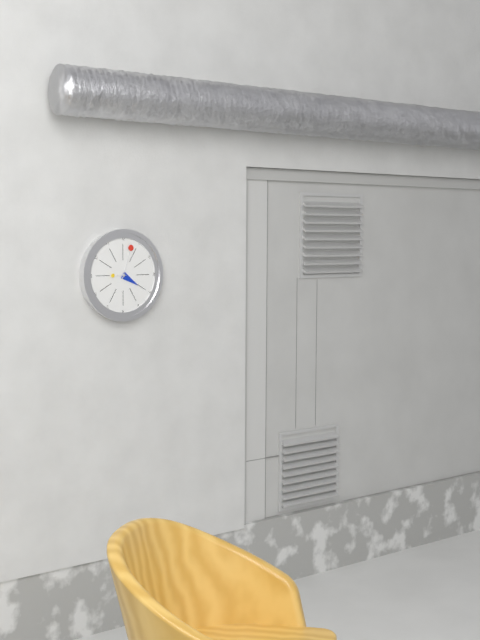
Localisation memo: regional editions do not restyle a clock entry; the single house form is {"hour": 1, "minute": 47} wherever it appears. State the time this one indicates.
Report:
{"hour": 4, "minute": 3}
